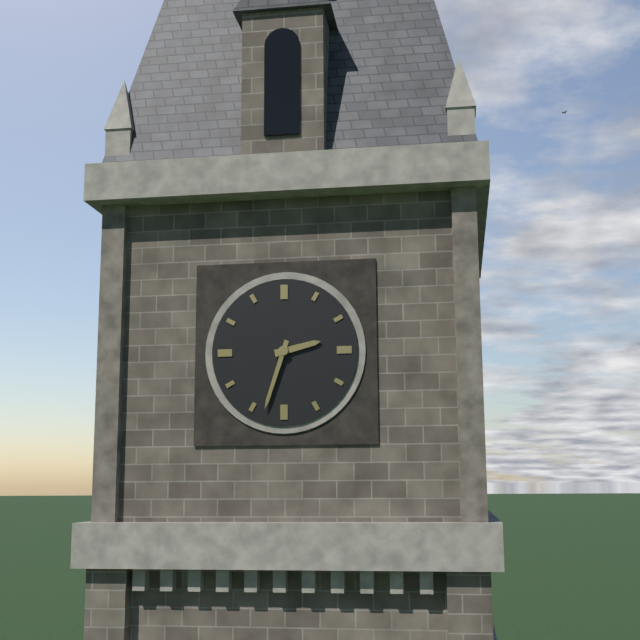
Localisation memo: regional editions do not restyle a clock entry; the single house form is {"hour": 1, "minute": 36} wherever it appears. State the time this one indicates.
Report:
{"hour": 2, "minute": 33}
